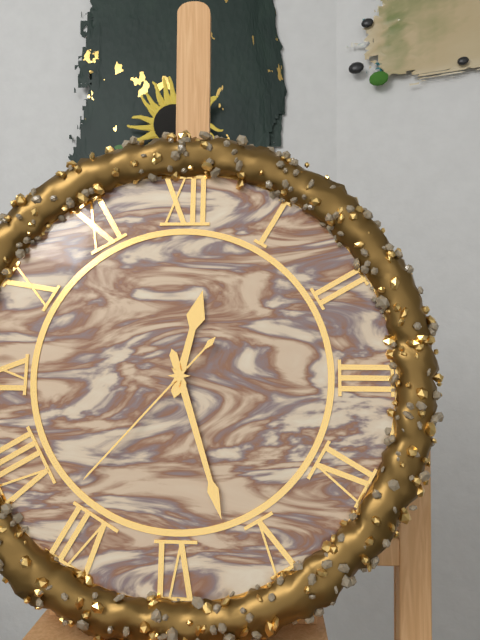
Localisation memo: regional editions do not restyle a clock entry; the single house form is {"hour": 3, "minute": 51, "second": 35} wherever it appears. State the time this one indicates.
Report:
{"hour": 12, "minute": 27, "second": 37}
